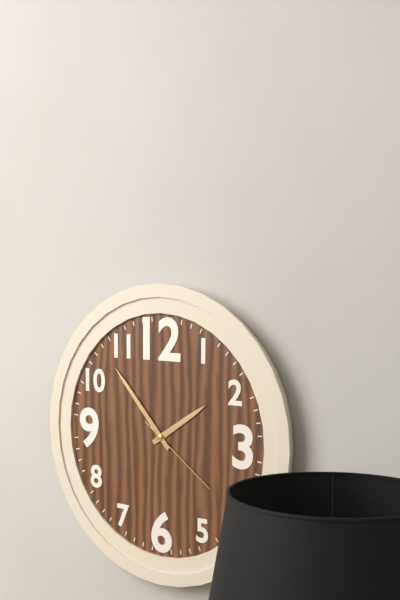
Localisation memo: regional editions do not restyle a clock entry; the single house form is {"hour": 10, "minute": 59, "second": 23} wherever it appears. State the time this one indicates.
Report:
{"hour": 1, "minute": 53, "second": 21}
